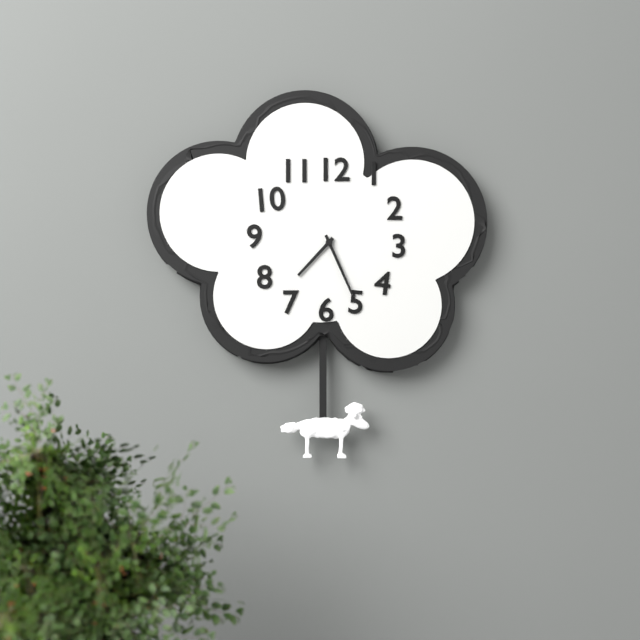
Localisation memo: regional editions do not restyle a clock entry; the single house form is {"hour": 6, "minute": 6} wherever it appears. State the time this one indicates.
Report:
{"hour": 7, "minute": 26}
